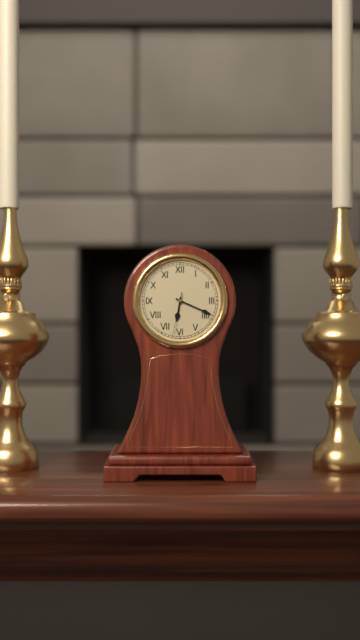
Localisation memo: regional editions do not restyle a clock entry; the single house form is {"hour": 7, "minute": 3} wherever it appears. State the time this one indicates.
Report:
{"hour": 6, "minute": 19}
